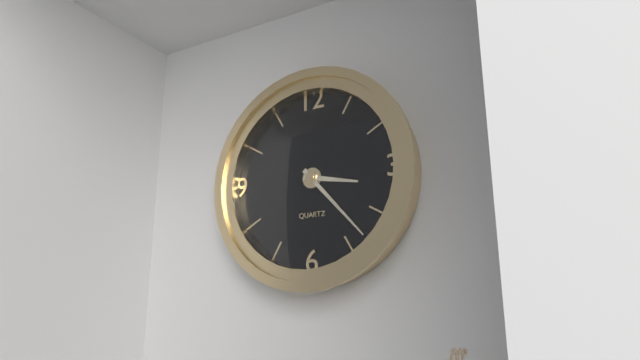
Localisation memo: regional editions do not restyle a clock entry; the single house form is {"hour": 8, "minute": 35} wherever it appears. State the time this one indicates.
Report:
{"hour": 3, "minute": 23}
